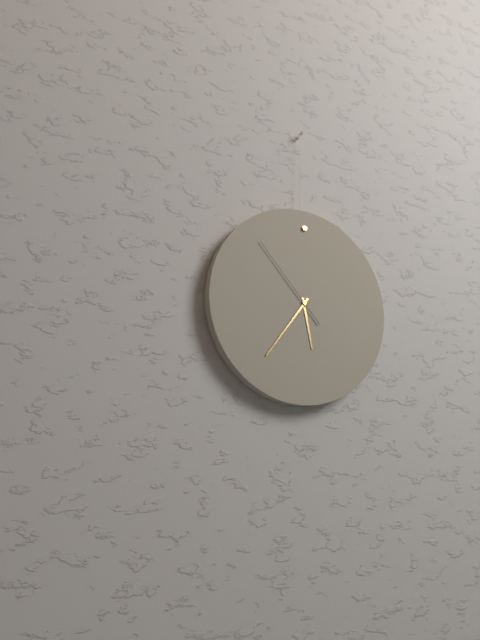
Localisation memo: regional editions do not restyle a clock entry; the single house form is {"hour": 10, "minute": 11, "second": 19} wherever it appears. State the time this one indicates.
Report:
{"hour": 5, "minute": 36, "second": 53}
